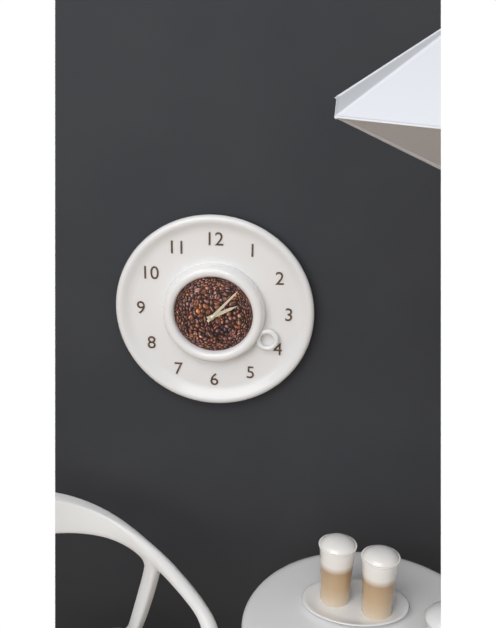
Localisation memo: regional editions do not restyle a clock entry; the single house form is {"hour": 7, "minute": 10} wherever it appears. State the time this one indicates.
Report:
{"hour": 2, "minute": 7}
